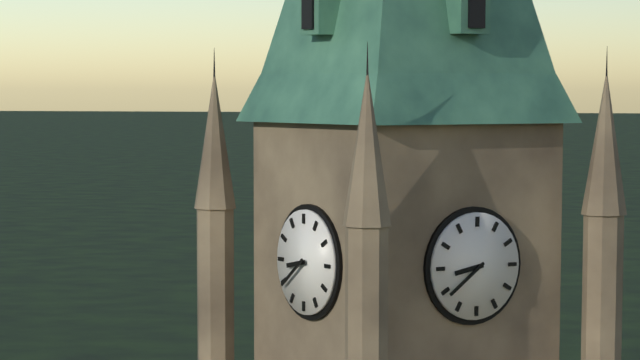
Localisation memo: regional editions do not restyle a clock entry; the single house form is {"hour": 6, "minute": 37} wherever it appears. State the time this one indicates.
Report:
{"hour": 8, "minute": 39}
